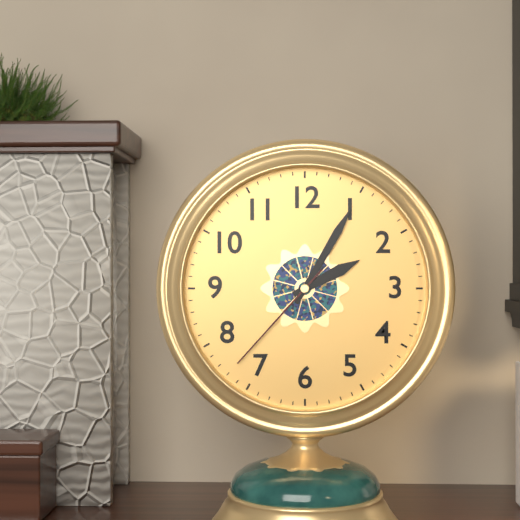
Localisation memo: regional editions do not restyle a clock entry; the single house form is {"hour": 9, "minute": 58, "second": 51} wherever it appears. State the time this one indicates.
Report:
{"hour": 2, "minute": 5, "second": 37}
